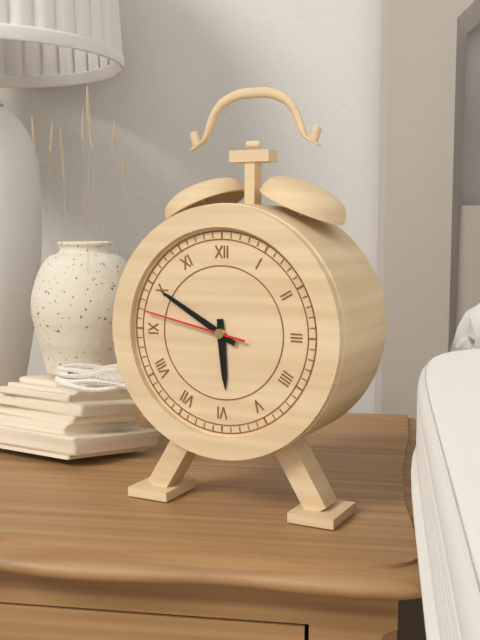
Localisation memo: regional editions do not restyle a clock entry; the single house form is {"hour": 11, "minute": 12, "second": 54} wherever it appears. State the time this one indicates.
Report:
{"hour": 5, "minute": 50, "second": 47}
